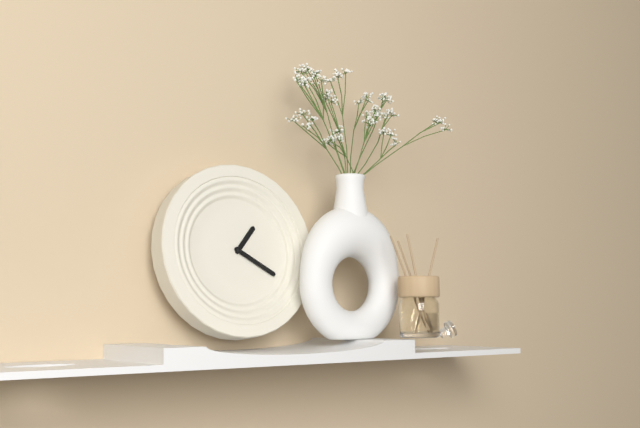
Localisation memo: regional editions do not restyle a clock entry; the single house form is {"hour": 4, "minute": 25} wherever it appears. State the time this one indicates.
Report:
{"hour": 1, "minute": 20}
